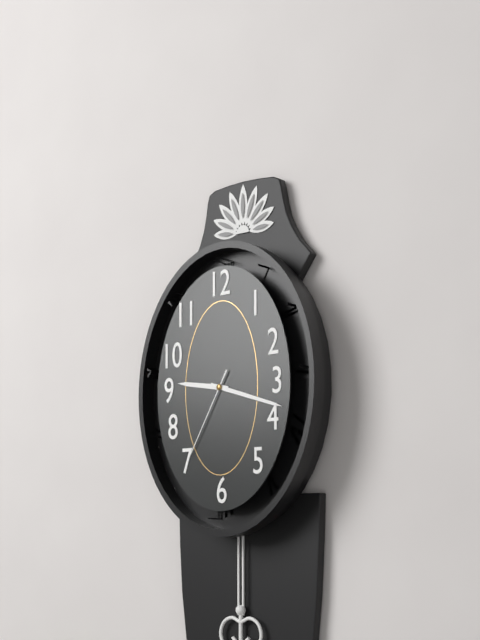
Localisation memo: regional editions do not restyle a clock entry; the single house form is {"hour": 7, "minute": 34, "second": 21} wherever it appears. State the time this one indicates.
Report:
{"hour": 9, "minute": 18, "second": 35}
